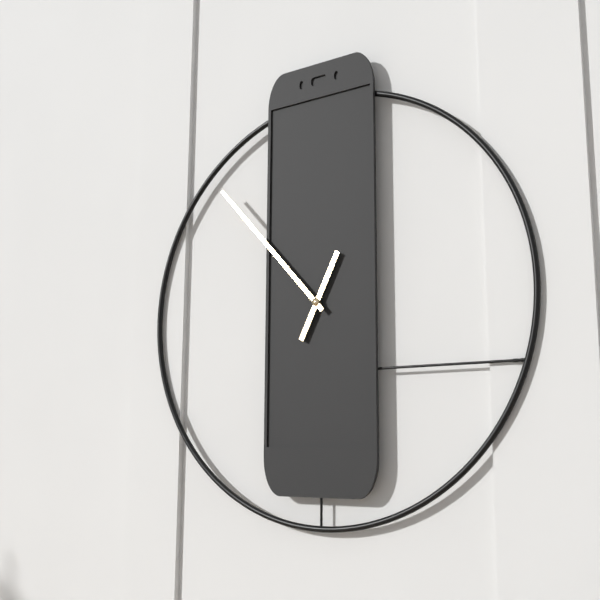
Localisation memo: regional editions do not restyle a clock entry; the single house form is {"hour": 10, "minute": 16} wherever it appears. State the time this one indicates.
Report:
{"hour": 12, "minute": 53}
